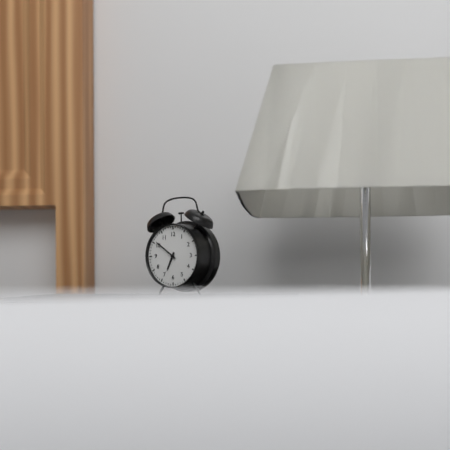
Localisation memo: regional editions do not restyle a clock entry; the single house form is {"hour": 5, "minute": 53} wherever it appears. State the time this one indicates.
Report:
{"hour": 6, "minute": 51}
